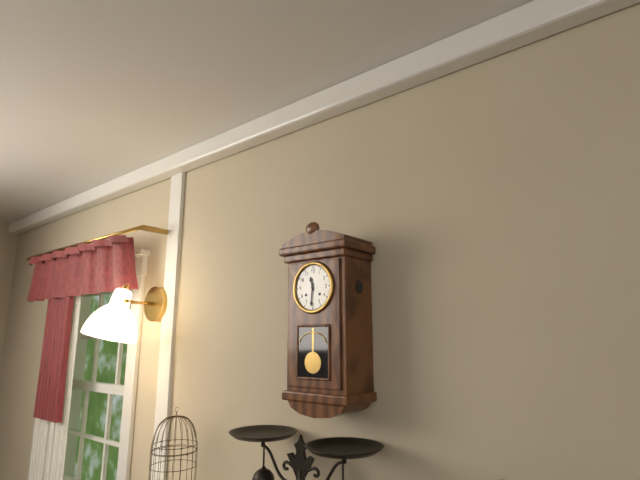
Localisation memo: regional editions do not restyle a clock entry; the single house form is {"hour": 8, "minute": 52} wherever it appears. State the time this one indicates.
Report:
{"hour": 11, "minute": 31}
